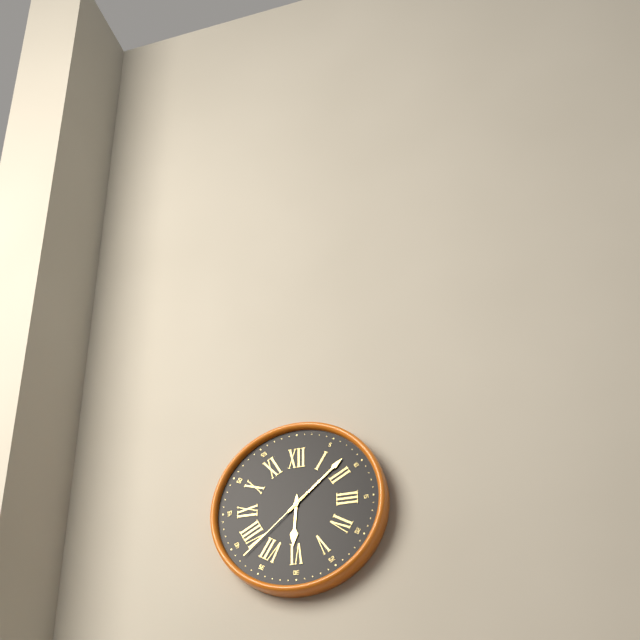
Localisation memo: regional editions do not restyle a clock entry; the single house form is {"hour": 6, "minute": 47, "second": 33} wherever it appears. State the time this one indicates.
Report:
{"hour": 6, "minute": 8, "second": 38}
